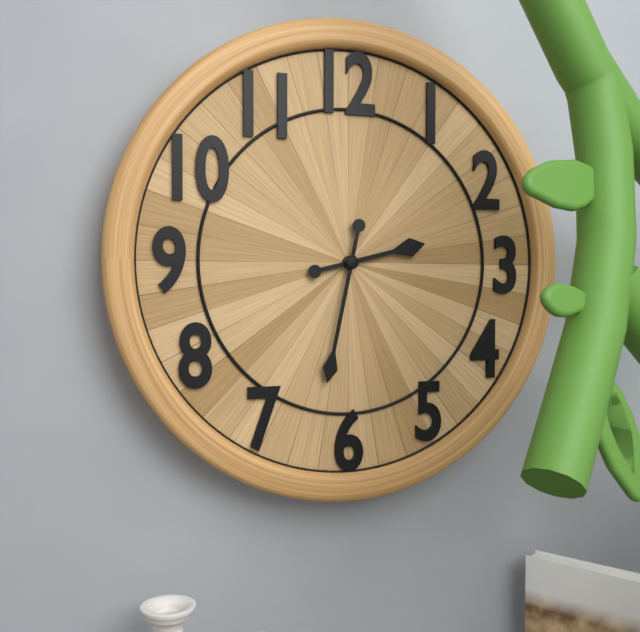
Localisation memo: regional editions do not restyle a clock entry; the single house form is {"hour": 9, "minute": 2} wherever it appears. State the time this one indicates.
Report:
{"hour": 2, "minute": 32}
